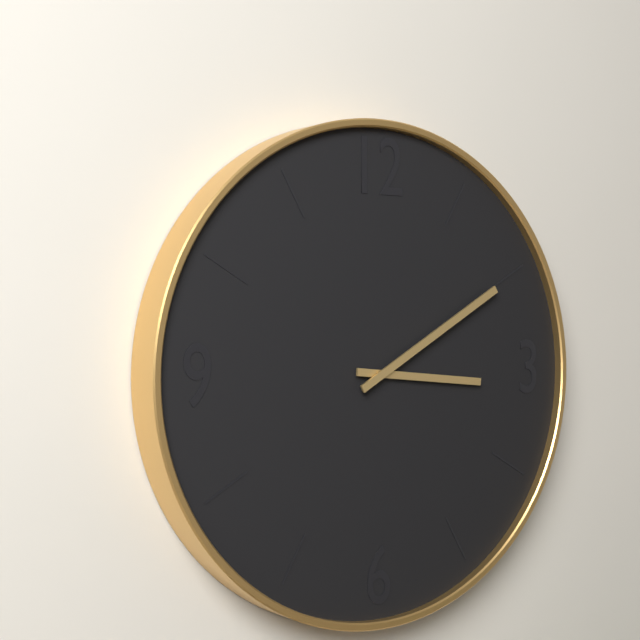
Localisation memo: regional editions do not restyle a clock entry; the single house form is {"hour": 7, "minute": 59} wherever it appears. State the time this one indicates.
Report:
{"hour": 3, "minute": 10}
